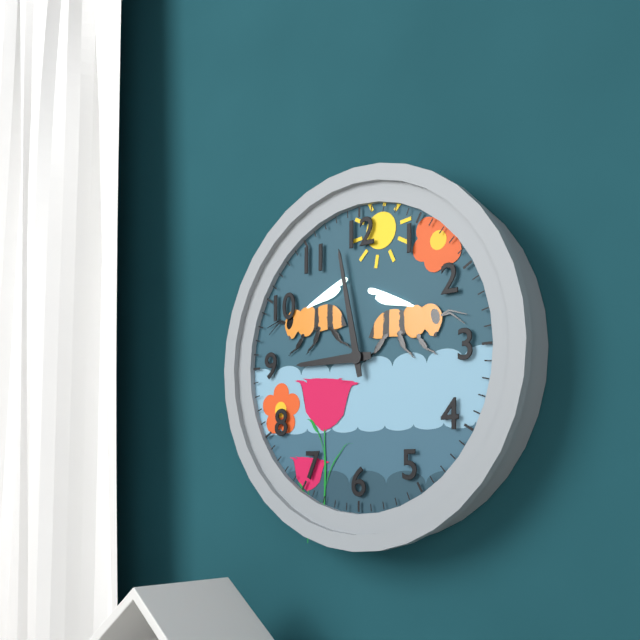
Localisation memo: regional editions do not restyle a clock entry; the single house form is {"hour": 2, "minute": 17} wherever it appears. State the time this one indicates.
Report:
{"hour": 8, "minute": 58}
